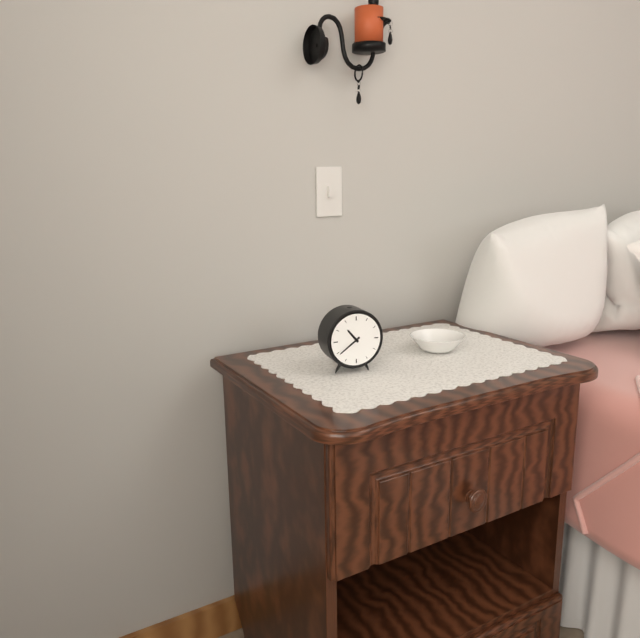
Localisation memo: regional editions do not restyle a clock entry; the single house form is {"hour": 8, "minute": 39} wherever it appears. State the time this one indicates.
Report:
{"hour": 10, "minute": 39}
